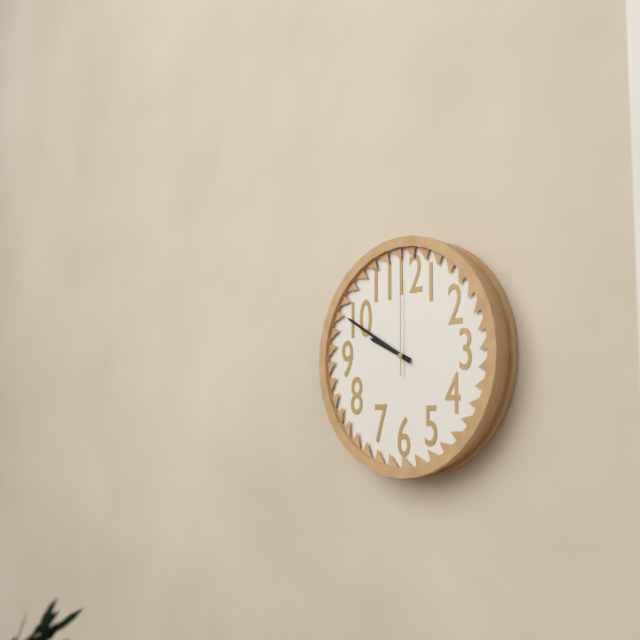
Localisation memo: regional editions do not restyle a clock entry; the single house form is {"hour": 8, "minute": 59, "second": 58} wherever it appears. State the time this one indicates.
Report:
{"hour": 9, "minute": 50, "second": 0}
